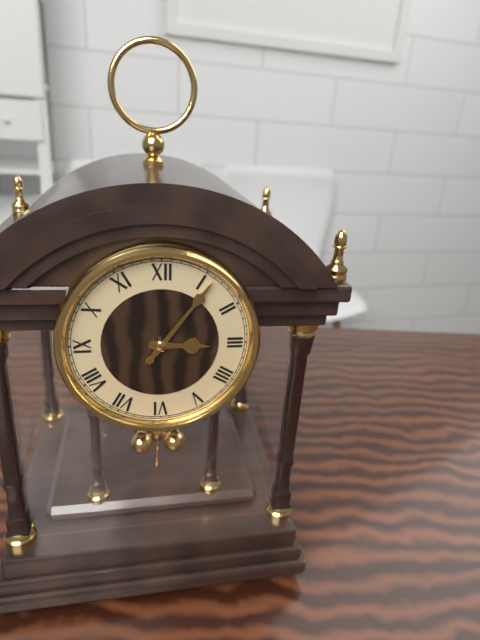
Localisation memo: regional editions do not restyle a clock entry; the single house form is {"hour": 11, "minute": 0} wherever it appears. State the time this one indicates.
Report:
{"hour": 3, "minute": 6}
